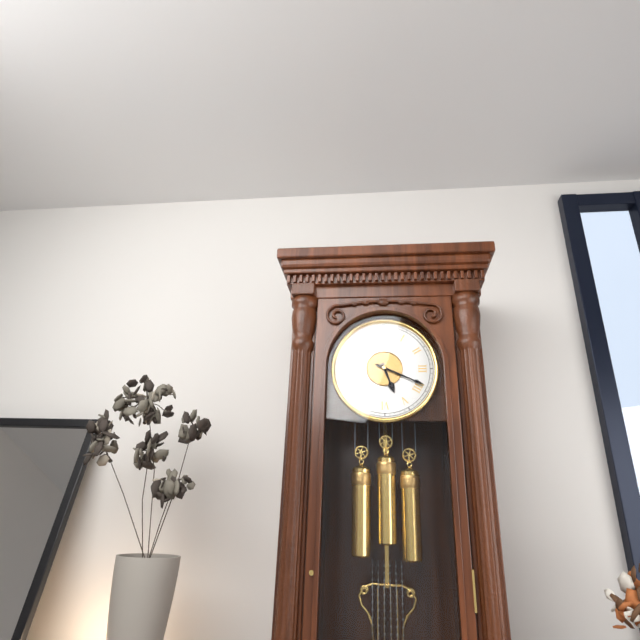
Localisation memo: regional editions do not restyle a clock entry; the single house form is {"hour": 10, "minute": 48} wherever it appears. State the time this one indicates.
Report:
{"hour": 5, "minute": 19}
